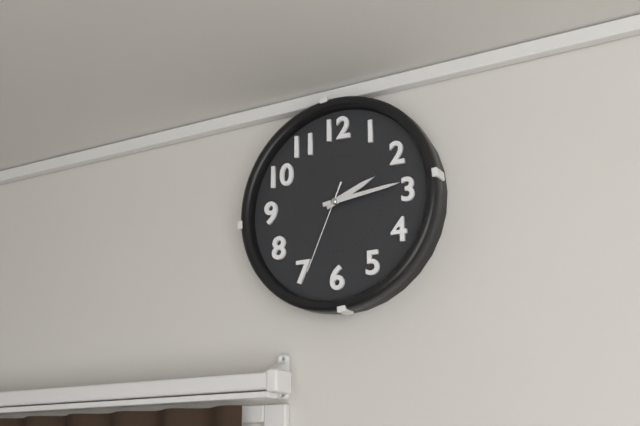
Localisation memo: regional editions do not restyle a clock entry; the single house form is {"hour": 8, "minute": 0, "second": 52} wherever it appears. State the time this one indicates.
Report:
{"hour": 2, "minute": 14, "second": 34}
